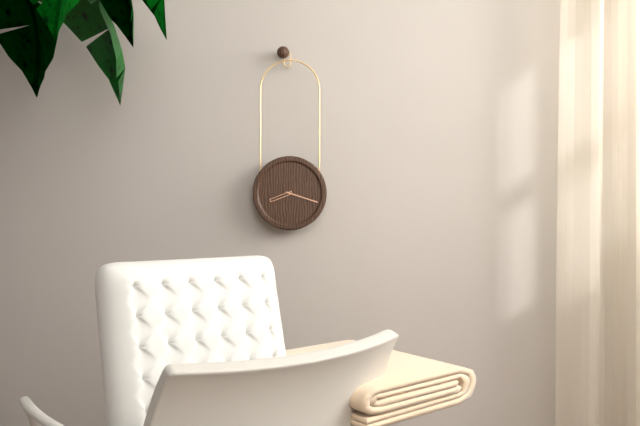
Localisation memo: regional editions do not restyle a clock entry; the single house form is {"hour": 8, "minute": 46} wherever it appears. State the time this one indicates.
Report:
{"hour": 8, "minute": 18}
